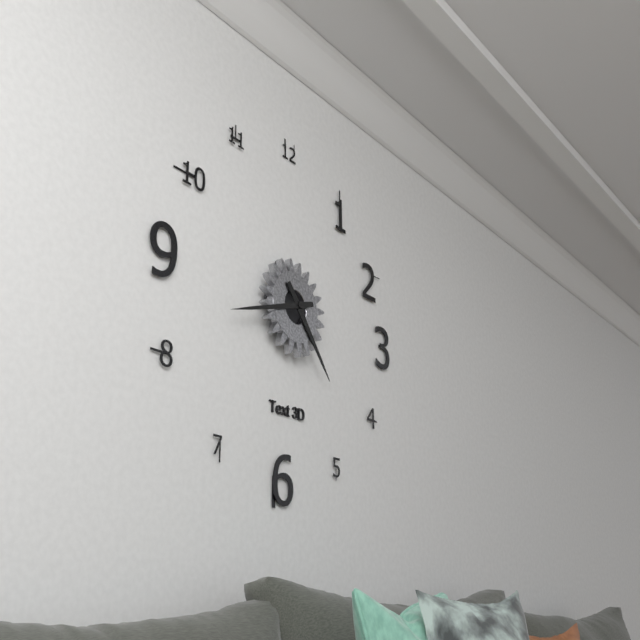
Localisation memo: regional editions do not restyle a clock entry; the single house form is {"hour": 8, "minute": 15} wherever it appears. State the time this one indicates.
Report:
{"hour": 4, "minute": 42}
